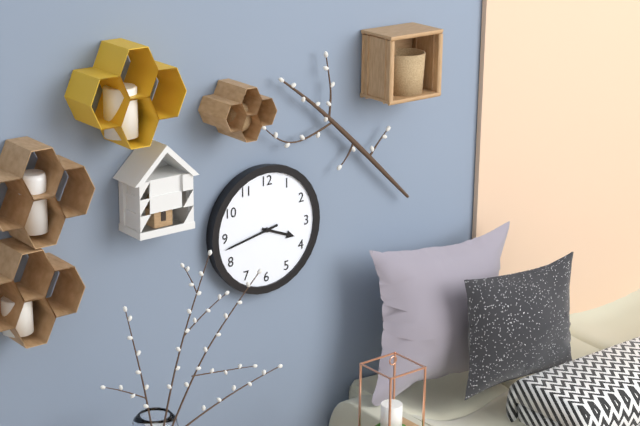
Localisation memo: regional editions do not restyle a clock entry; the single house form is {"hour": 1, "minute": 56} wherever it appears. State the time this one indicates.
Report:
{"hour": 3, "minute": 43}
